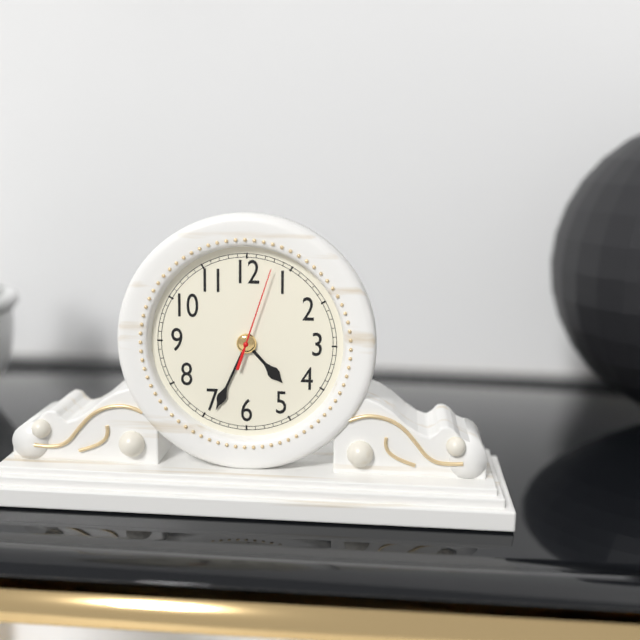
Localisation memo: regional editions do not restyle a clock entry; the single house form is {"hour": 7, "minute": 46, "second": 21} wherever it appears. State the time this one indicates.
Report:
{"hour": 4, "minute": 34, "second": 3}
